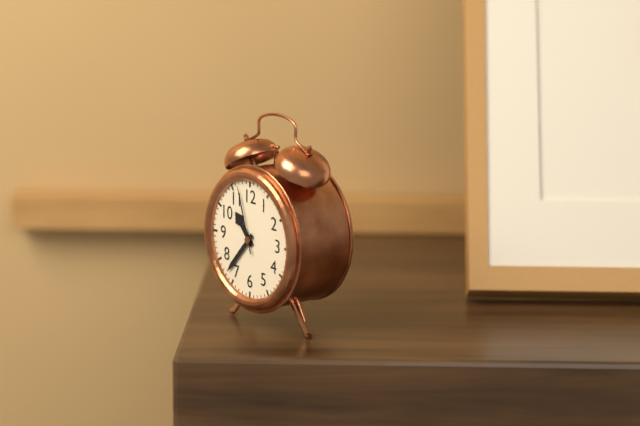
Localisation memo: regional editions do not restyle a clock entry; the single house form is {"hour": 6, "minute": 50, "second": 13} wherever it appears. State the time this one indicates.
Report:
{"hour": 10, "minute": 37, "second": 57}
